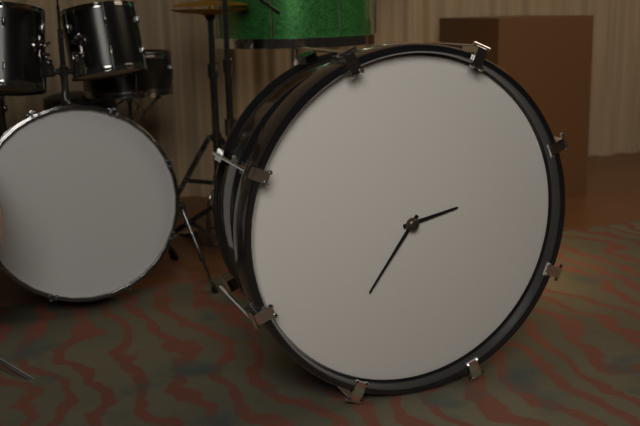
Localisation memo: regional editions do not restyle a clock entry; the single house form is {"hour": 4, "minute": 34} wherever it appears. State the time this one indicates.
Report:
{"hour": 2, "minute": 36}
